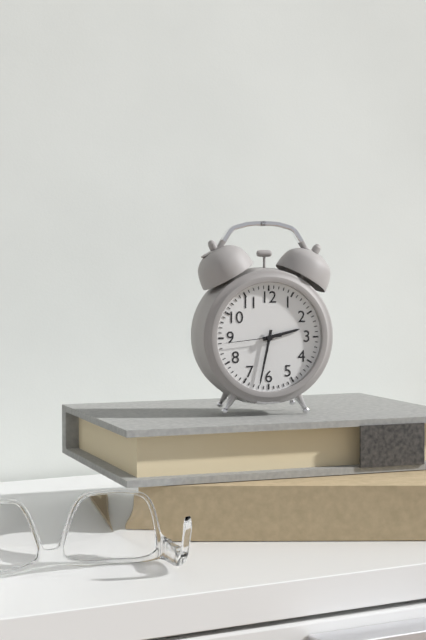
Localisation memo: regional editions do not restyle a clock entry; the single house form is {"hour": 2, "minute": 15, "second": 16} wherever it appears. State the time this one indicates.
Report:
{"hour": 2, "minute": 32, "second": 44}
